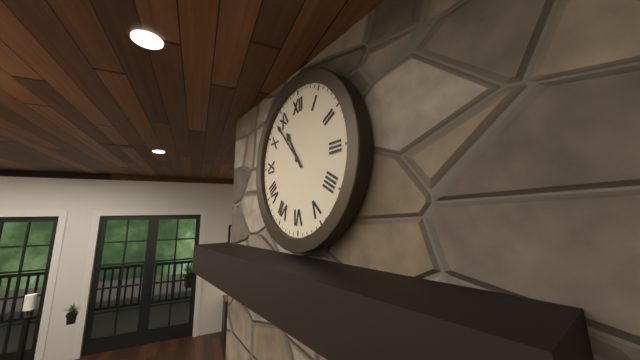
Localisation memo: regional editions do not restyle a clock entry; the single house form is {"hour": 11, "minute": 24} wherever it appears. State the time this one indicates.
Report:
{"hour": 10, "minute": 53}
